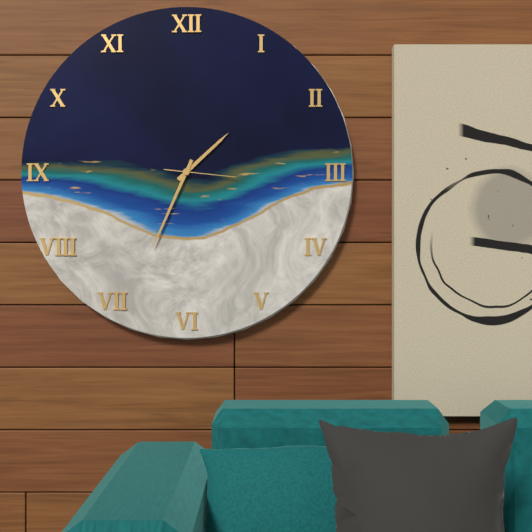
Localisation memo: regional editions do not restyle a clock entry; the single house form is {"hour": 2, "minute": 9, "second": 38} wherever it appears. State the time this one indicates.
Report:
{"hour": 1, "minute": 34, "second": 16}
